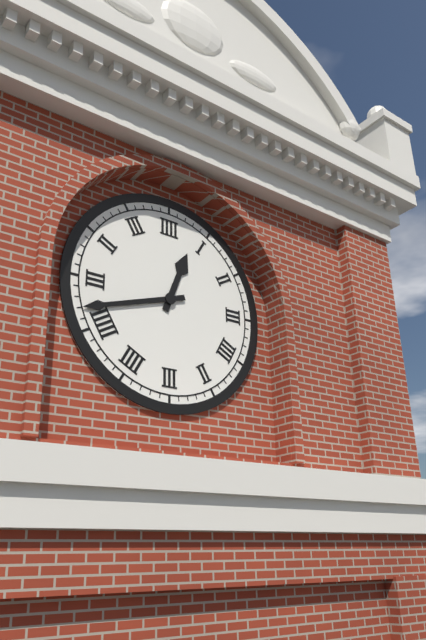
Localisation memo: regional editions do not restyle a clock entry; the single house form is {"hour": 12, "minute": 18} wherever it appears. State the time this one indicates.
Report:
{"hour": 12, "minute": 42}
